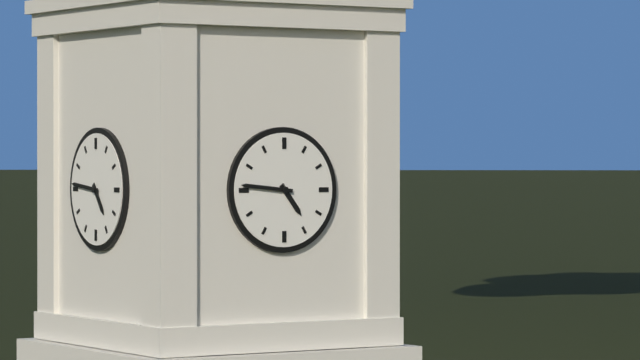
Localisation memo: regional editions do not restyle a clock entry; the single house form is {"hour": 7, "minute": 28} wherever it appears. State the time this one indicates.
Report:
{"hour": 4, "minute": 46}
